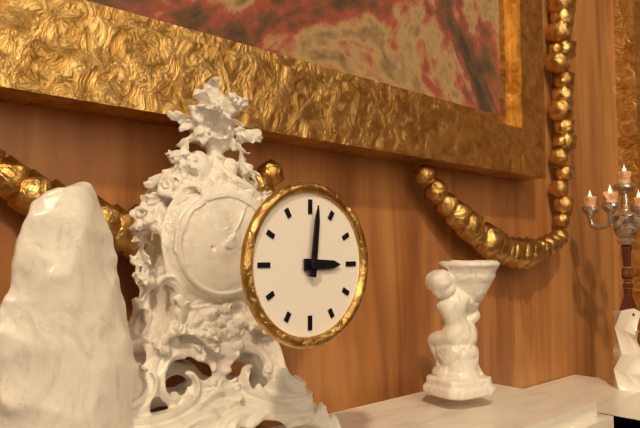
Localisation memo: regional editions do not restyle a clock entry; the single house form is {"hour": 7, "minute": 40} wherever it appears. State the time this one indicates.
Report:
{"hour": 3, "minute": 1}
